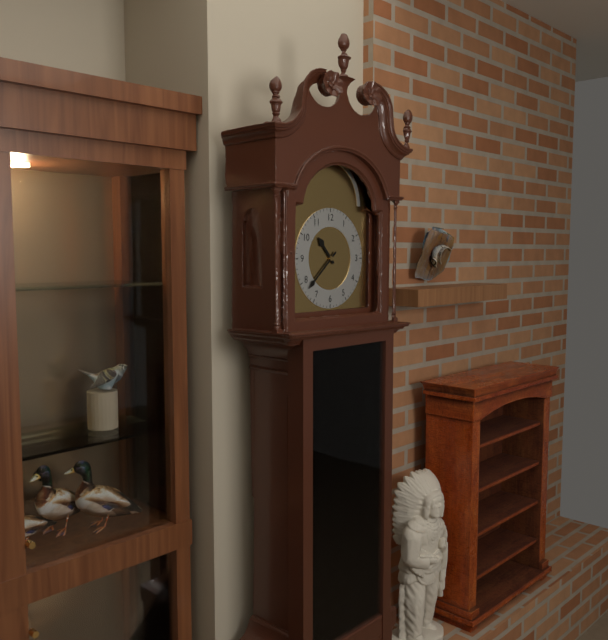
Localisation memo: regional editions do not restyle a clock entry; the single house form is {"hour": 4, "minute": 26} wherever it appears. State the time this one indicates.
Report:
{"hour": 10, "minute": 38}
